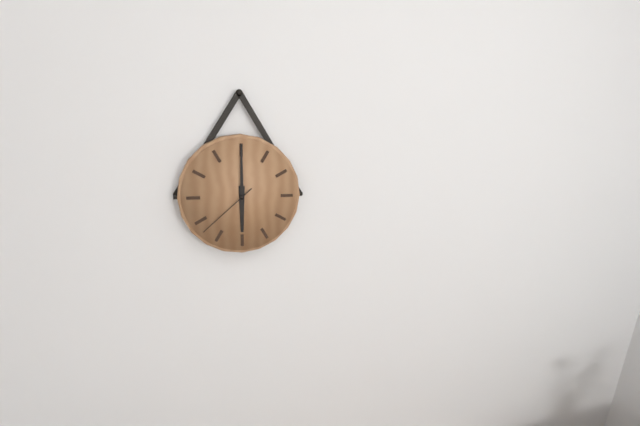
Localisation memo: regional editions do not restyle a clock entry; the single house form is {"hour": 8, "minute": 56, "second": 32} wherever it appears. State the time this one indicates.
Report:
{"hour": 6, "minute": 0, "second": 38}
